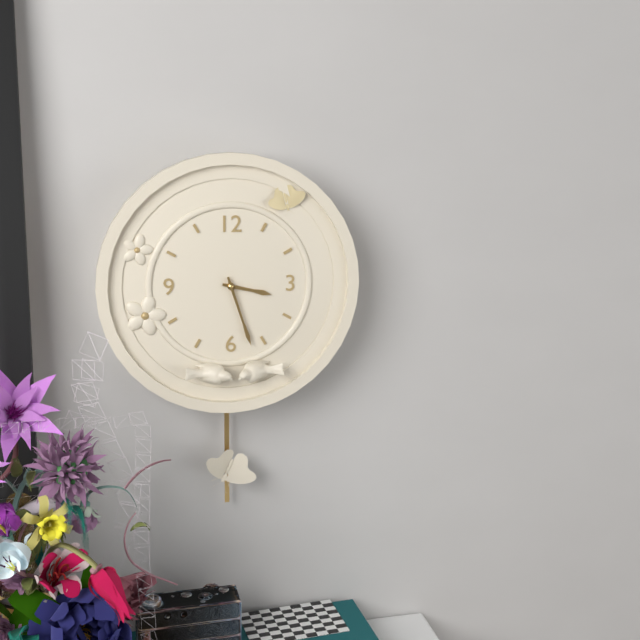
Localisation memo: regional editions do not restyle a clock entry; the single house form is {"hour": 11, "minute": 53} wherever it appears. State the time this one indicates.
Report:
{"hour": 3, "minute": 27}
